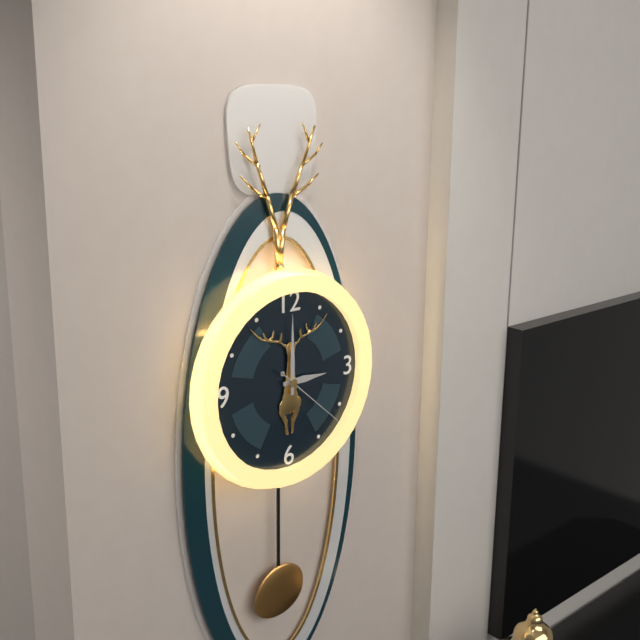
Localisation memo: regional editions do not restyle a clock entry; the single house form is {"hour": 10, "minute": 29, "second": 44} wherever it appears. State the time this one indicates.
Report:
{"hour": 3, "minute": 0, "second": 22}
